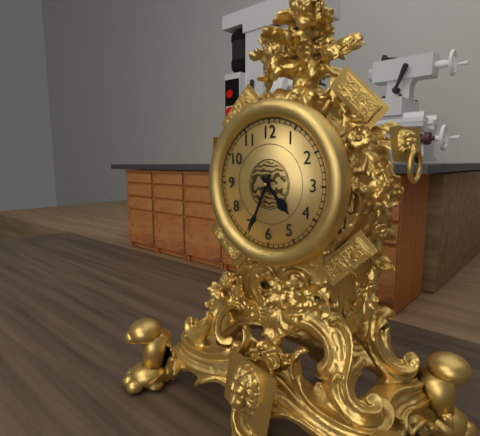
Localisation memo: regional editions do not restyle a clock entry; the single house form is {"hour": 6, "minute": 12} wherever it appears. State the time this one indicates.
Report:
{"hour": 4, "minute": 34}
